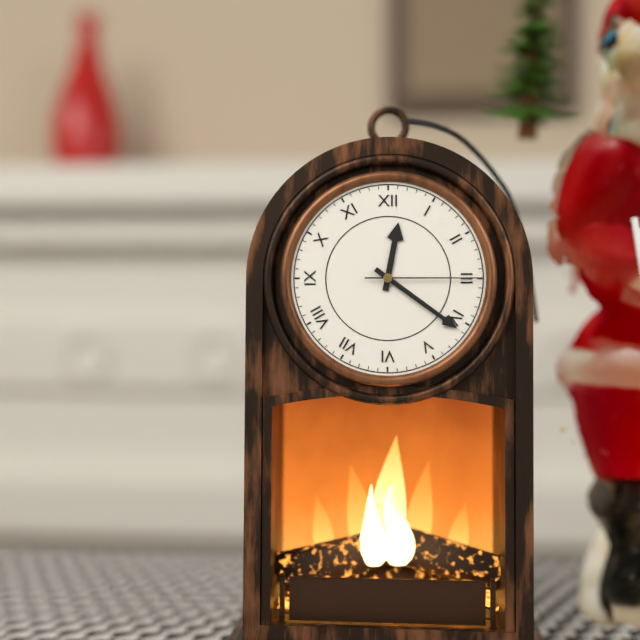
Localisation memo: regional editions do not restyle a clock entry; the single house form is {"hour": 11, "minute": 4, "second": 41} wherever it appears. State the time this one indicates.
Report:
{"hour": 12, "minute": 21, "second": 15}
